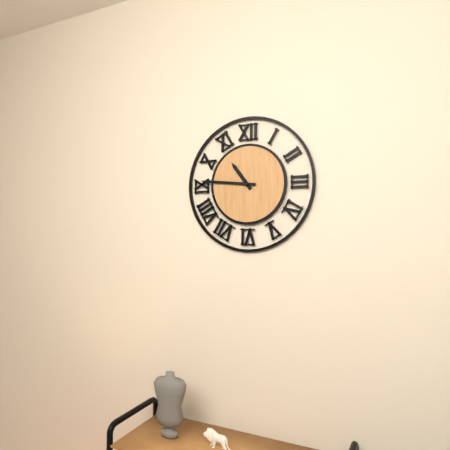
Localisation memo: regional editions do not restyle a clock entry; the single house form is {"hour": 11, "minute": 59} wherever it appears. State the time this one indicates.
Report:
{"hour": 10, "minute": 46}
